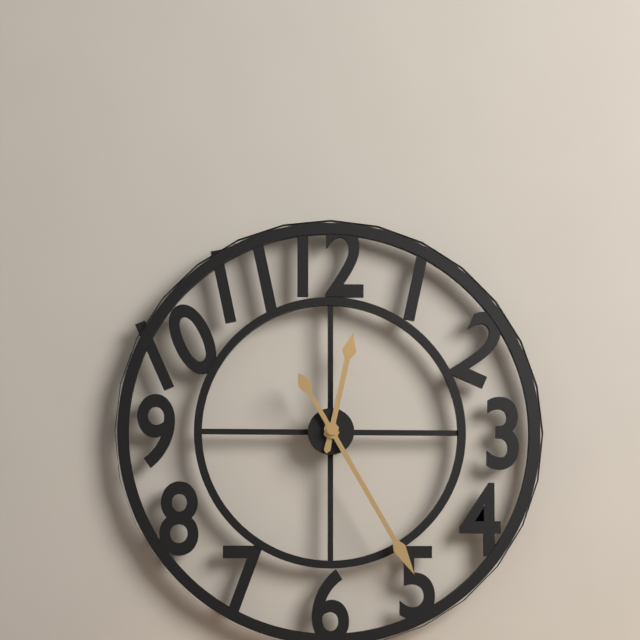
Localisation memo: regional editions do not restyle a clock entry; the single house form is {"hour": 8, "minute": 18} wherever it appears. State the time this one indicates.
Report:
{"hour": 12, "minute": 25}
